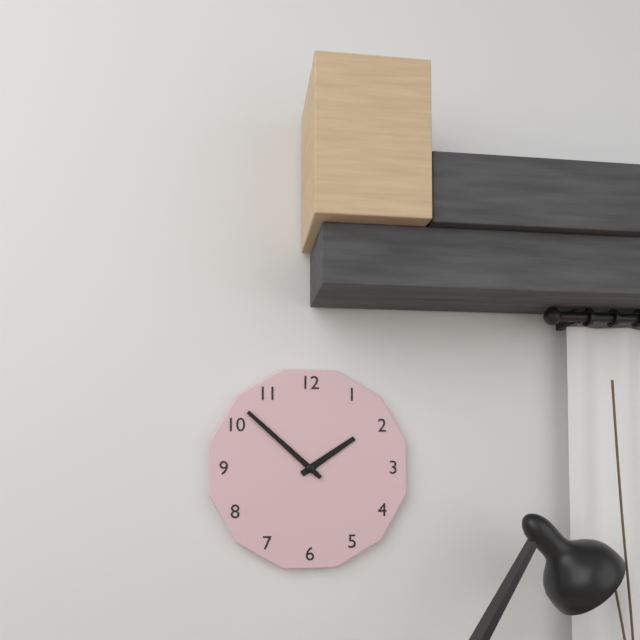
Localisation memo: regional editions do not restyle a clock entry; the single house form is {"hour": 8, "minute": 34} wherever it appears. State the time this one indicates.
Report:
{"hour": 1, "minute": 52}
